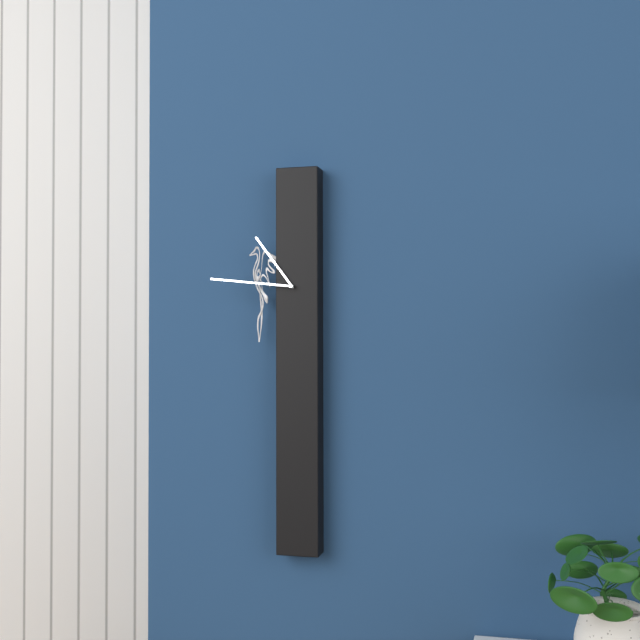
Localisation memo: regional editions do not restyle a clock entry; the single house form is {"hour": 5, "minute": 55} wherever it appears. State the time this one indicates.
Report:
{"hour": 10, "minute": 46}
